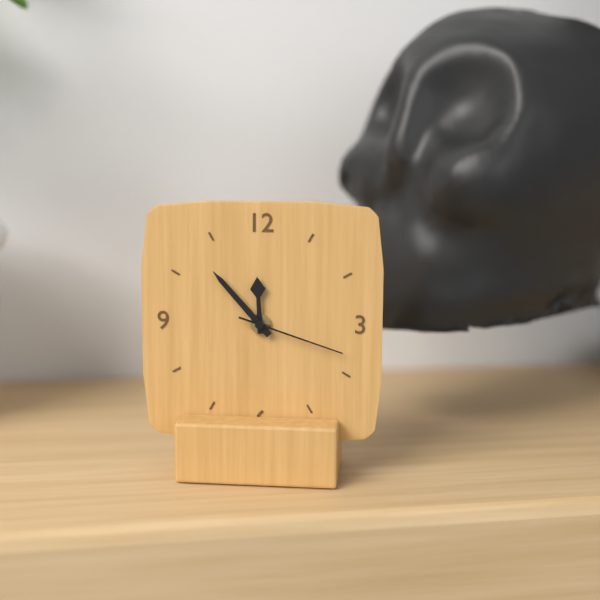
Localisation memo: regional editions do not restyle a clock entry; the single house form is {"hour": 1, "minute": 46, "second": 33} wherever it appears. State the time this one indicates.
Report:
{"hour": 11, "minute": 53, "second": 18}
